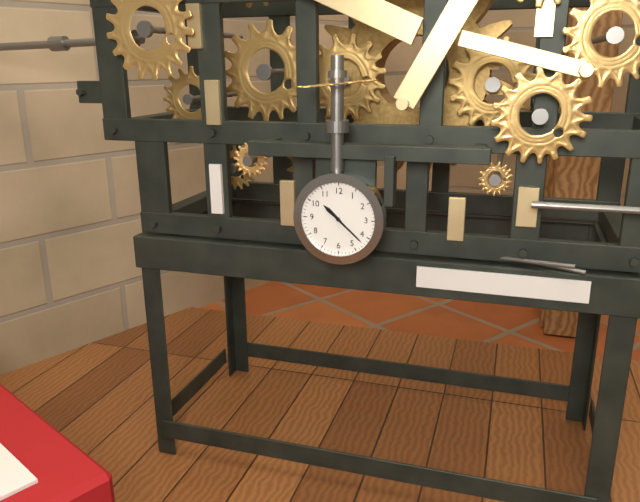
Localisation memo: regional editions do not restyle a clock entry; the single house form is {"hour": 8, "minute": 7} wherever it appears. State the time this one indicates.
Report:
{"hour": 10, "minute": 22}
